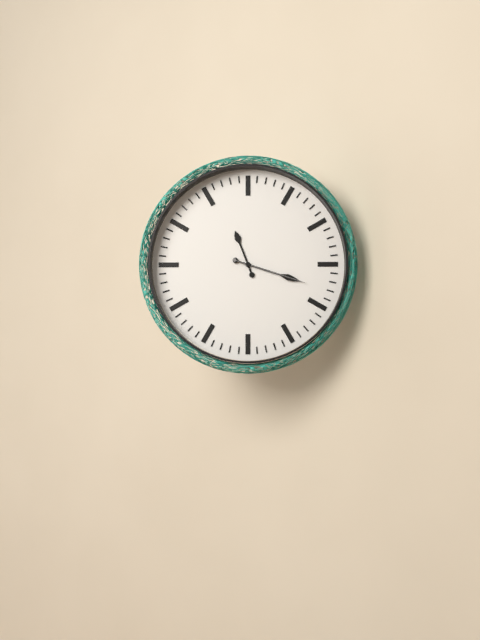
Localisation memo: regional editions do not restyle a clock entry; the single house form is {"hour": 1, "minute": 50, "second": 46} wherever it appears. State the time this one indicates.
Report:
{"hour": 11, "minute": 18, "second": 18}
